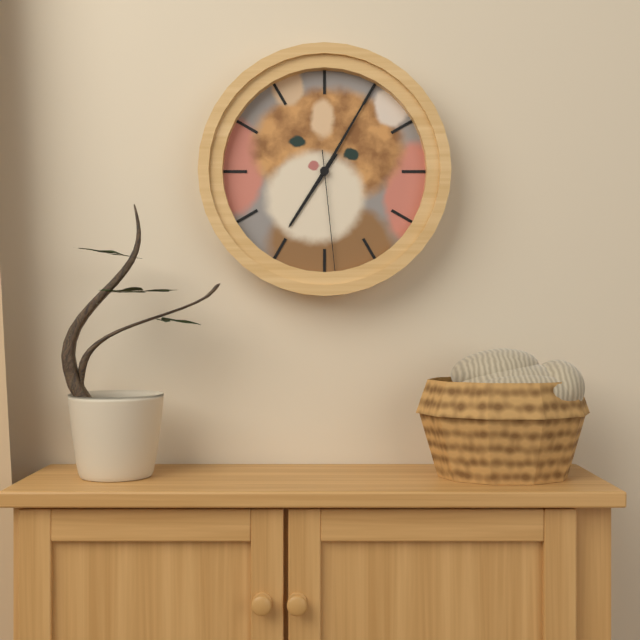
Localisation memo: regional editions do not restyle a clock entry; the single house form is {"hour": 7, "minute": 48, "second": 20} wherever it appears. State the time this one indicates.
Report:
{"hour": 7, "minute": 5, "second": 29}
